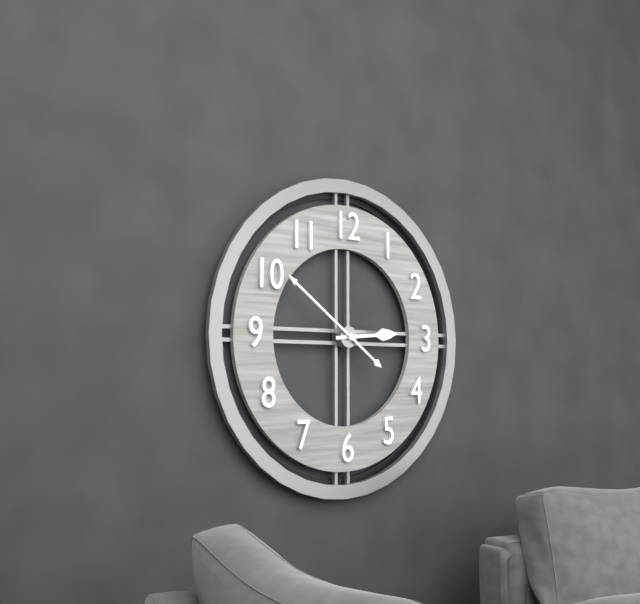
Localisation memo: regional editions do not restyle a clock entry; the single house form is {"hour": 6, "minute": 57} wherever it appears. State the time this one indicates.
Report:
{"hour": 2, "minute": 51}
